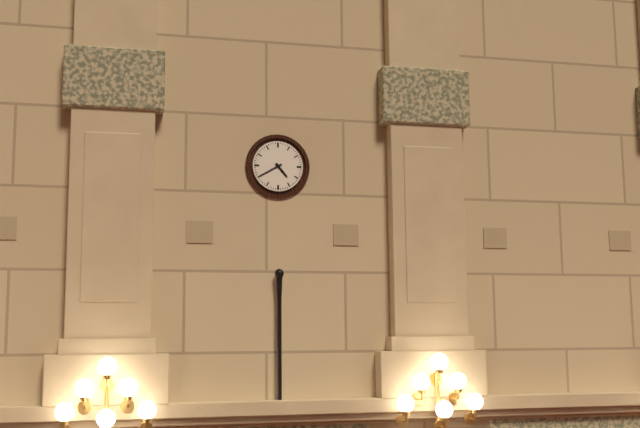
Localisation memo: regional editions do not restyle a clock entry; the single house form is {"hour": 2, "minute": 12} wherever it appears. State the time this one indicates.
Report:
{"hour": 4, "minute": 40}
